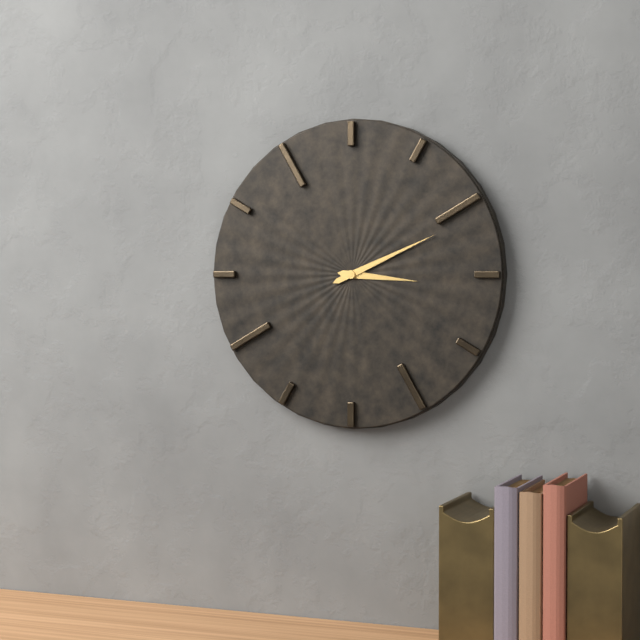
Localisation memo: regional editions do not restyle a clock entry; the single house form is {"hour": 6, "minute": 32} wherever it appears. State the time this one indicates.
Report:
{"hour": 3, "minute": 11}
